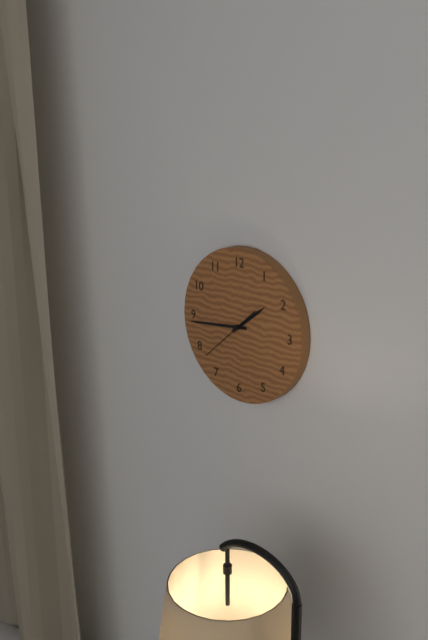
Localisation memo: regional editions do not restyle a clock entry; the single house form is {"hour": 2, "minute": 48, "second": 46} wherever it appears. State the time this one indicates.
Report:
{"hour": 1, "minute": 44, "second": 38}
